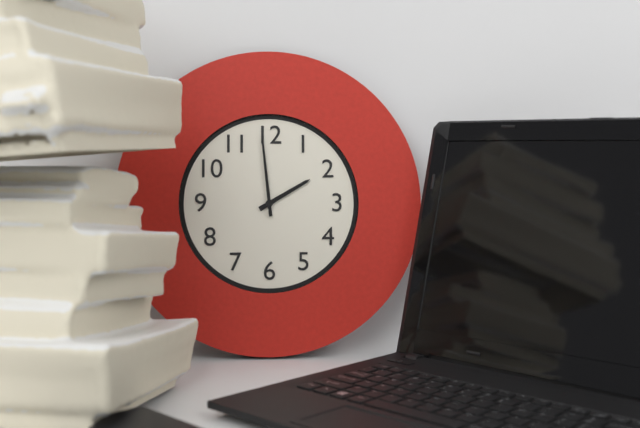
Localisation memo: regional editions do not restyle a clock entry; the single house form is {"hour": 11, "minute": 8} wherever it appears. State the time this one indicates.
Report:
{"hour": 1, "minute": 59}
